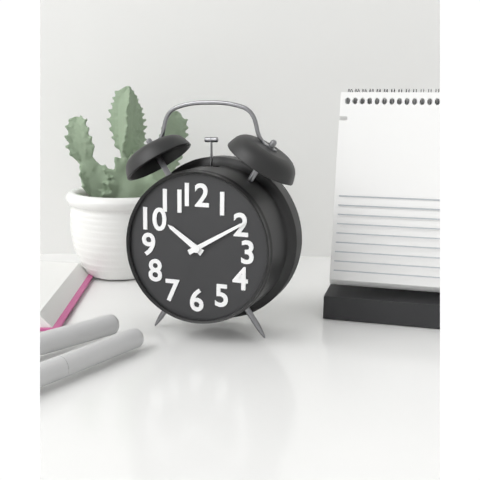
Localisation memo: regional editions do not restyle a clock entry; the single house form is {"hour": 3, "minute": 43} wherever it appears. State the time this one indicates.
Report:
{"hour": 10, "minute": 10}
